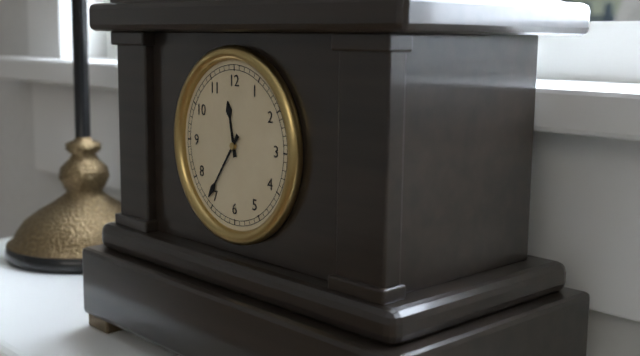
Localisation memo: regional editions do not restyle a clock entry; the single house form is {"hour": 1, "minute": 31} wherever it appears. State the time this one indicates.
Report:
{"hour": 11, "minute": 36}
